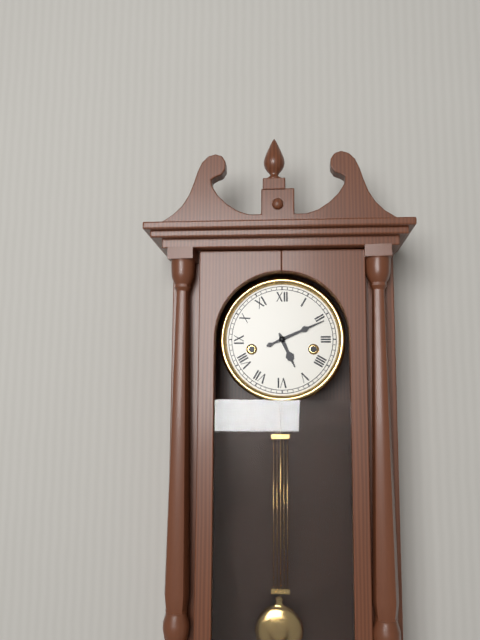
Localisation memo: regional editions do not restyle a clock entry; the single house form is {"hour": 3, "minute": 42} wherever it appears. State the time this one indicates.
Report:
{"hour": 5, "minute": 11}
